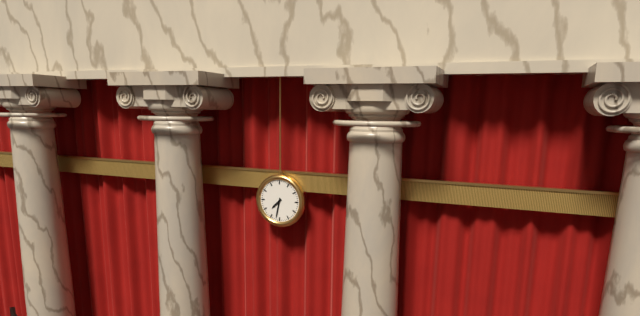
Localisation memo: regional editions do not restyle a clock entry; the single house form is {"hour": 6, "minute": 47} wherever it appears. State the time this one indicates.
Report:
{"hour": 7, "minute": 32}
